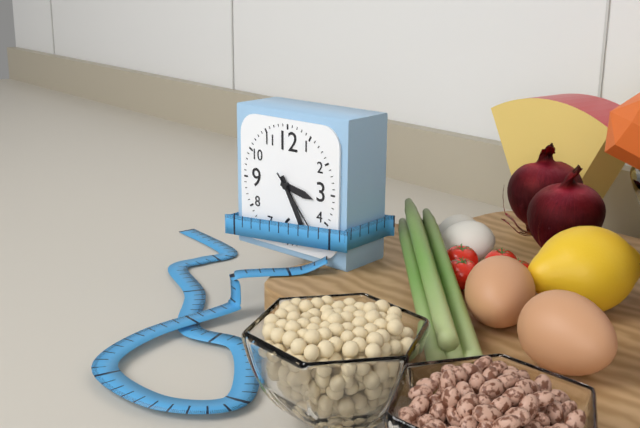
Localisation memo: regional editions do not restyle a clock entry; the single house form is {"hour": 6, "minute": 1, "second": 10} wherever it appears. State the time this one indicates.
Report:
{"hour": 3, "minute": 25, "second": 23}
